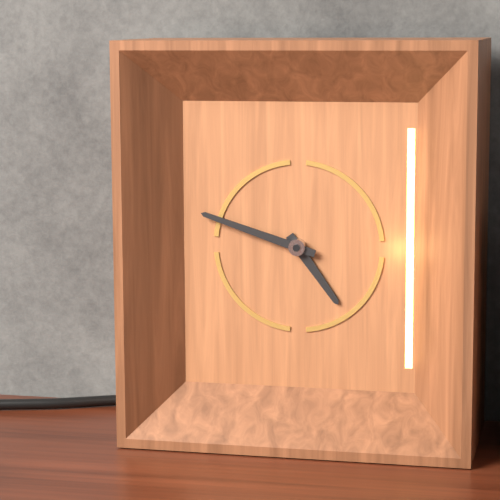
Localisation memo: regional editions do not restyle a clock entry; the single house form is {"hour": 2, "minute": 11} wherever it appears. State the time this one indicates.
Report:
{"hour": 4, "minute": 48}
